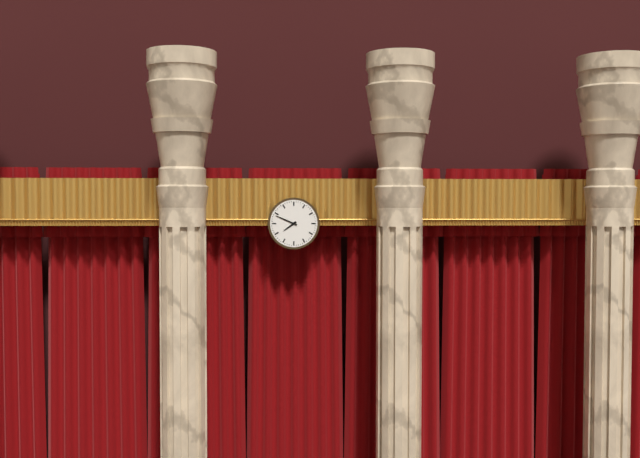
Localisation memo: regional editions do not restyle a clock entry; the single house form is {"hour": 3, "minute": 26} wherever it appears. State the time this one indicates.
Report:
{"hour": 7, "minute": 49}
